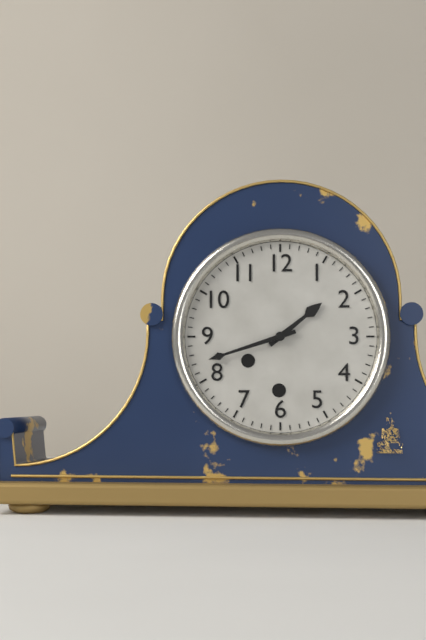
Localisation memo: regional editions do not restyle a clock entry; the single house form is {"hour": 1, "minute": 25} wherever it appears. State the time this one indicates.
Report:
{"hour": 1, "minute": 42}
